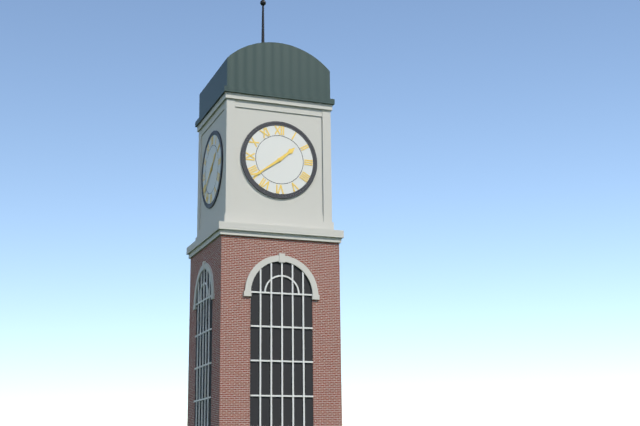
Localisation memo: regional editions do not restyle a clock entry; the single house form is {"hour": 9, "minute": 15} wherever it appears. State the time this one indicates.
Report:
{"hour": 1, "minute": 39}
